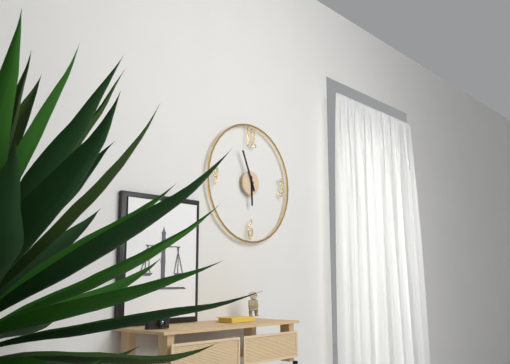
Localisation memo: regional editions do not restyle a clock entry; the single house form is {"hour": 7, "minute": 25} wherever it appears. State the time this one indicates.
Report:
{"hour": 5, "minute": 56}
